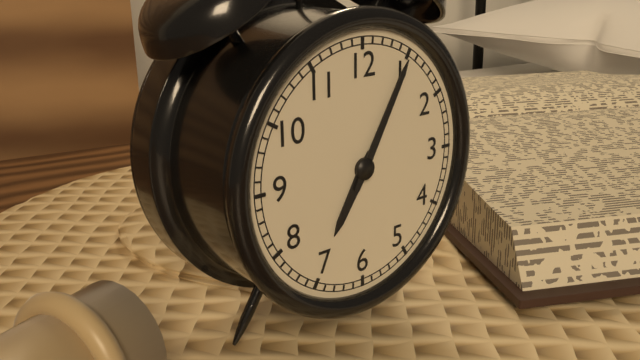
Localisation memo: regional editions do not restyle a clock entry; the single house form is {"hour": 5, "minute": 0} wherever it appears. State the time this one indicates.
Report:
{"hour": 7, "minute": 5}
